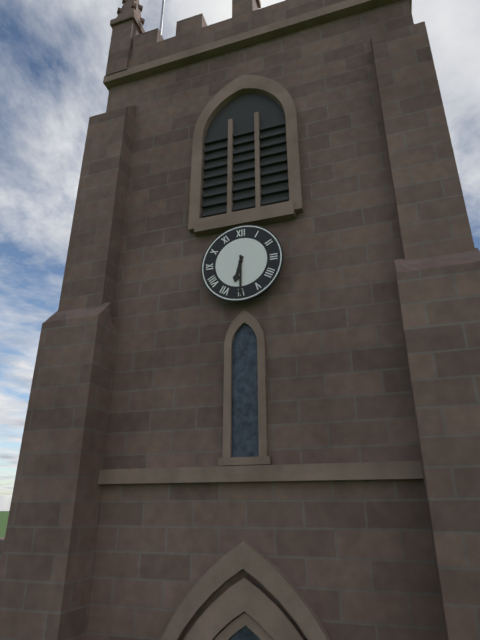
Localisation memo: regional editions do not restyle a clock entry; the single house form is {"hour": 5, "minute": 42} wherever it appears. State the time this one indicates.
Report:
{"hour": 6, "minute": 30}
